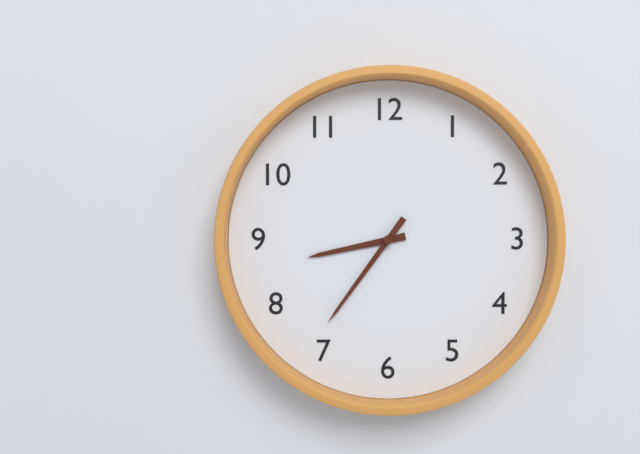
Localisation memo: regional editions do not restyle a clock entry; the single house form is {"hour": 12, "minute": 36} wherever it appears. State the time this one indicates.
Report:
{"hour": 8, "minute": 36}
